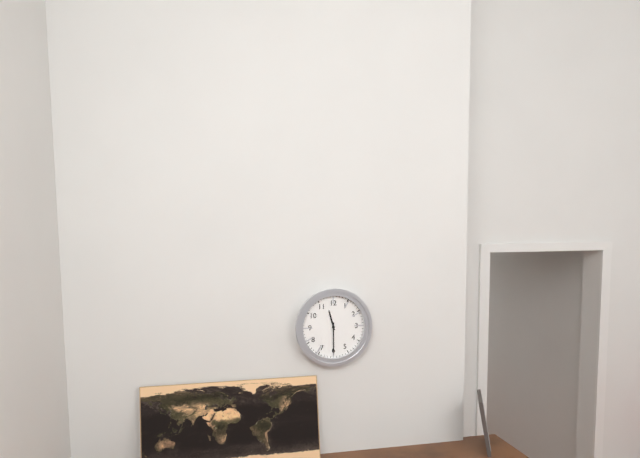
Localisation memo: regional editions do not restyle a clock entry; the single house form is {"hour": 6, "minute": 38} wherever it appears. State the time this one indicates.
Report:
{"hour": 11, "minute": 30}
